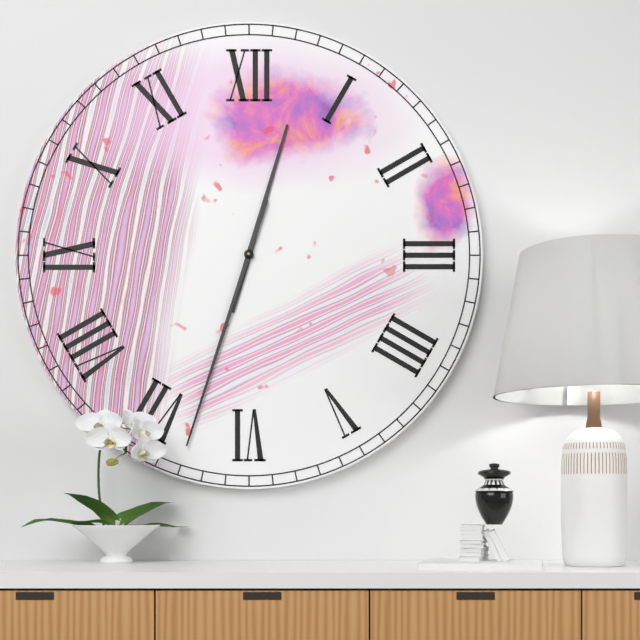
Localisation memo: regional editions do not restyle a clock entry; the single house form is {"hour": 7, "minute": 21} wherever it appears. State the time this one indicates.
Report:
{"hour": 12, "minute": 33}
